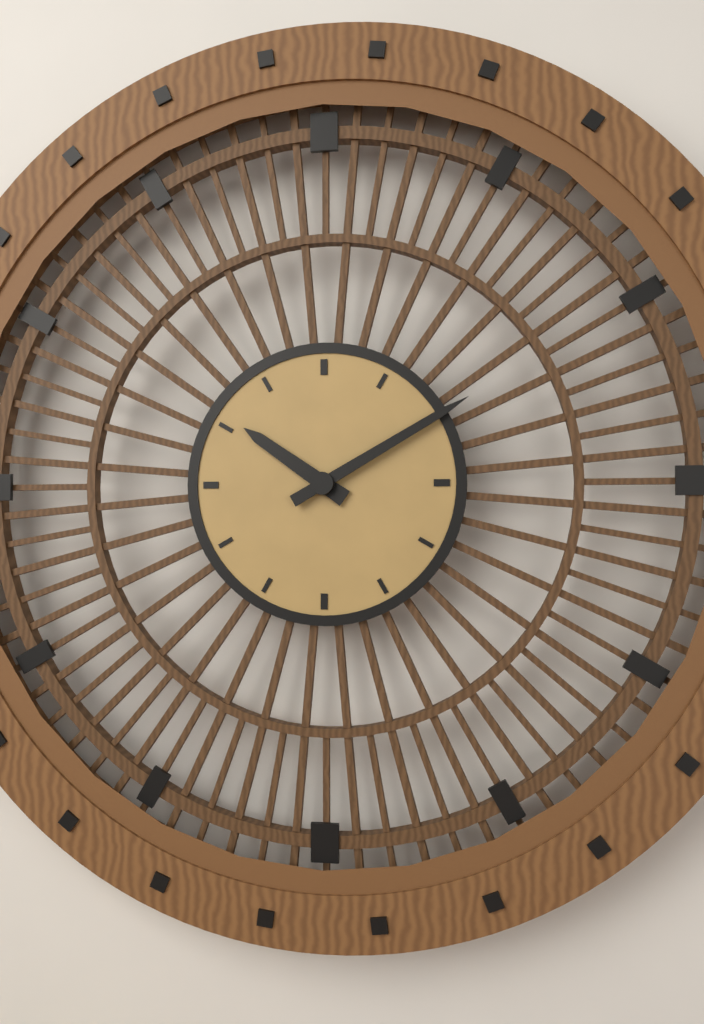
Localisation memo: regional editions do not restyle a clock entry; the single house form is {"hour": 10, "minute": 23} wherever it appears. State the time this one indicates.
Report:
{"hour": 10, "minute": 10}
